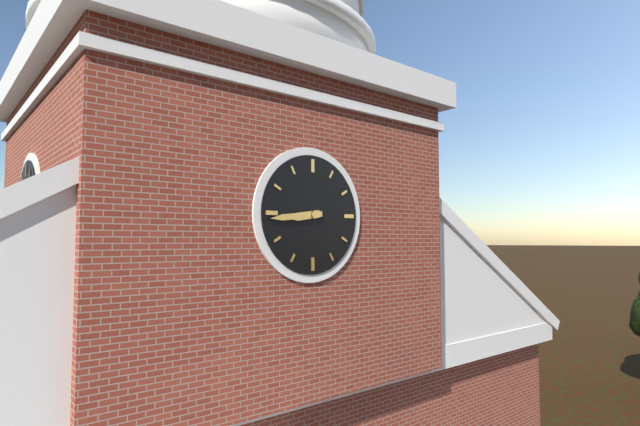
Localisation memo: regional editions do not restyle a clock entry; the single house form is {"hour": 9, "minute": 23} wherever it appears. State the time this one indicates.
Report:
{"hour": 8, "minute": 44}
